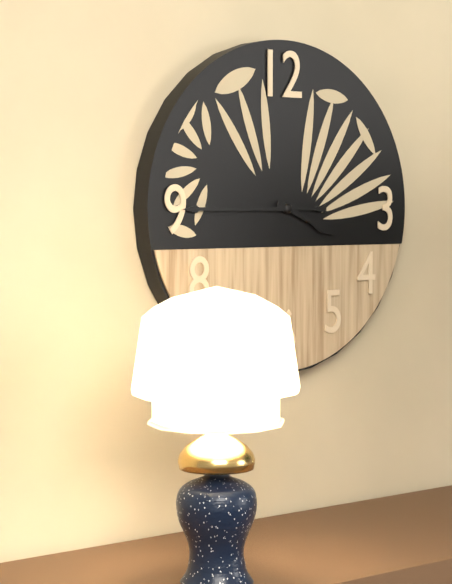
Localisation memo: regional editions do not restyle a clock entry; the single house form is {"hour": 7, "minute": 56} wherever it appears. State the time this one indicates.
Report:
{"hour": 3, "minute": 45}
